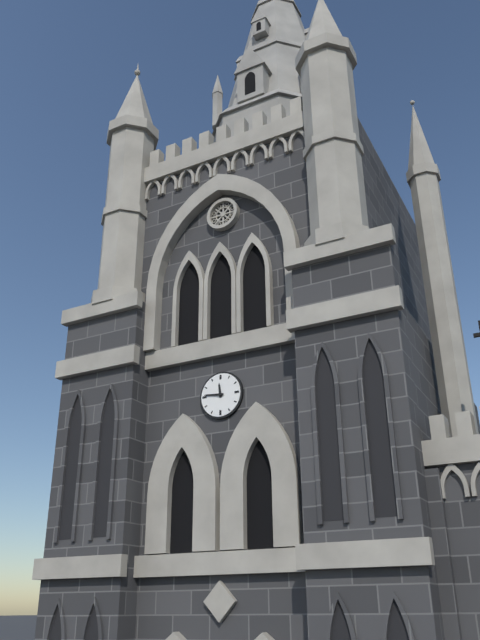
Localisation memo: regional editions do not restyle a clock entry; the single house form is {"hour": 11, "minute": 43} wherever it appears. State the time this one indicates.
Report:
{"hour": 11, "minute": 46}
